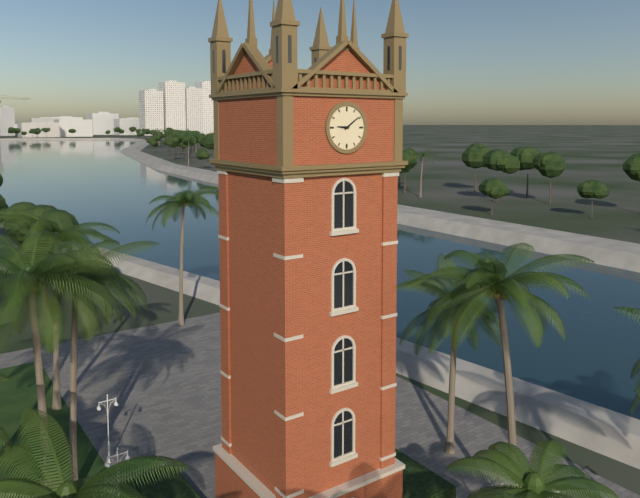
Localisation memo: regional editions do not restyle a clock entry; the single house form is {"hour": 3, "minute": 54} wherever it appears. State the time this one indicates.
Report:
{"hour": 9, "minute": 9}
